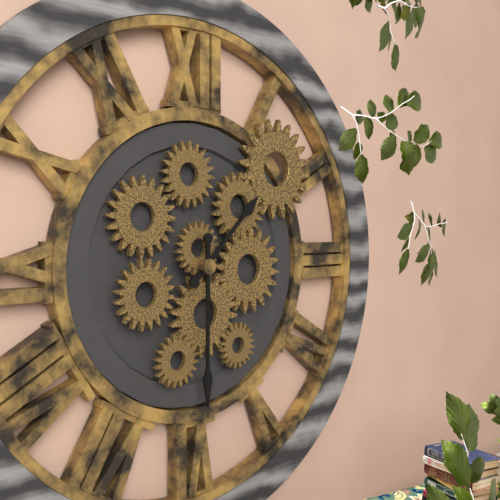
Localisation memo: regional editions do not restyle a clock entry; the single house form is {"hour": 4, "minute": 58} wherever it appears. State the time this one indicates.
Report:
{"hour": 1, "minute": 30}
